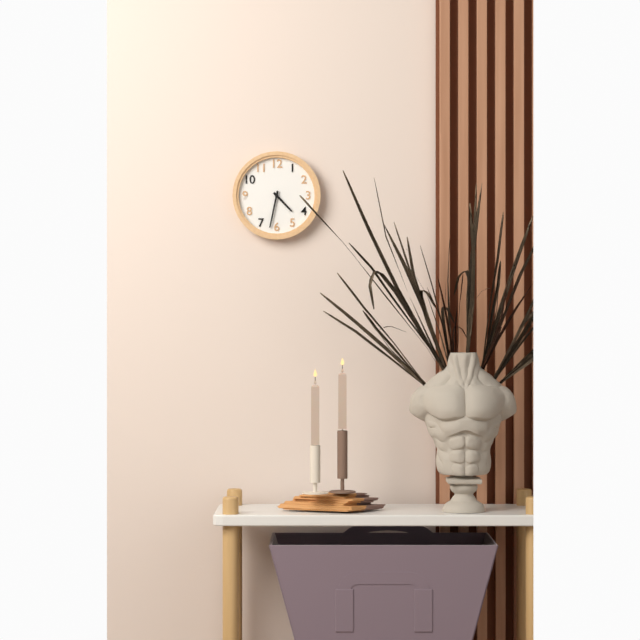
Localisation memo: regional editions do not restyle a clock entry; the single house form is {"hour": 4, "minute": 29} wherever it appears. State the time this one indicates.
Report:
{"hour": 4, "minute": 32}
